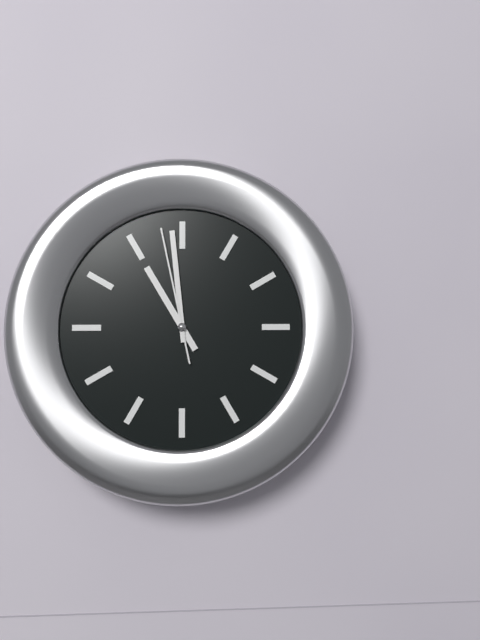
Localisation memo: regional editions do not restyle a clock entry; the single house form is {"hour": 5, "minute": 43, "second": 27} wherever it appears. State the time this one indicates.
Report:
{"hour": 10, "minute": 59, "second": 58}
